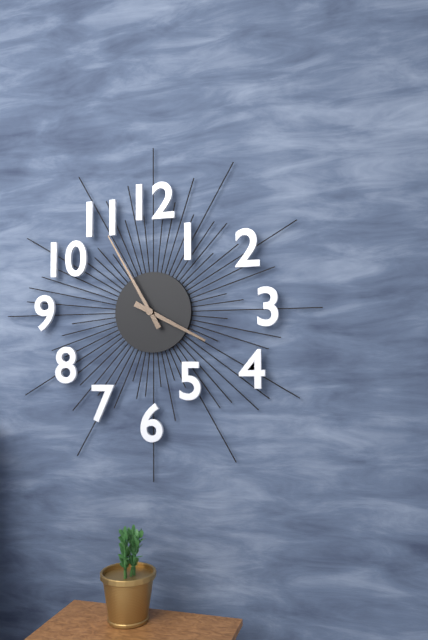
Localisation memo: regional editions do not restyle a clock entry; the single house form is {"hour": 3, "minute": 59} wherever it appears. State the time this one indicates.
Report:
{"hour": 3, "minute": 55}
